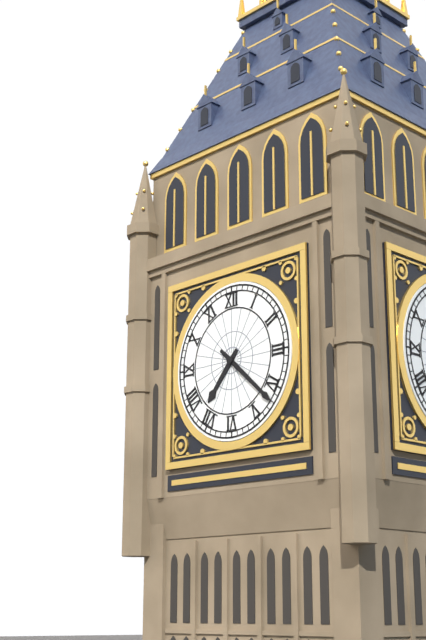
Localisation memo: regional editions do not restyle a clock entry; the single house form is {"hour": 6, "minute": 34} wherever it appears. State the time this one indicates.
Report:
{"hour": 7, "minute": 22}
